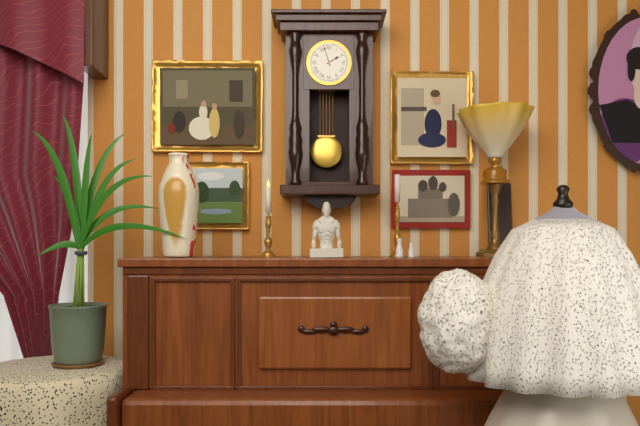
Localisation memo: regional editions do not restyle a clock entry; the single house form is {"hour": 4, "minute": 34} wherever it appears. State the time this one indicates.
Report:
{"hour": 1, "minute": 57}
